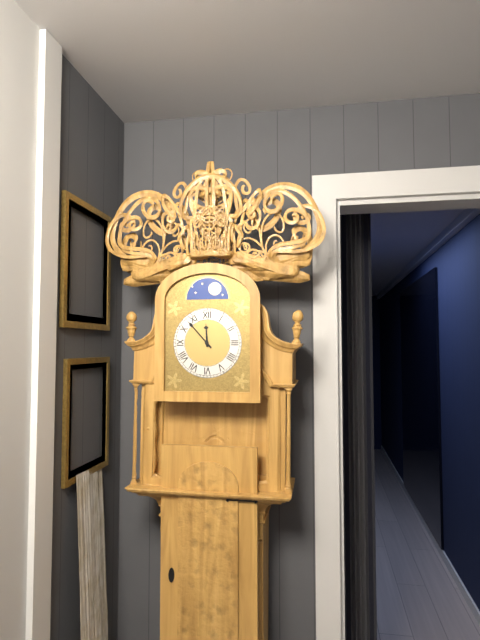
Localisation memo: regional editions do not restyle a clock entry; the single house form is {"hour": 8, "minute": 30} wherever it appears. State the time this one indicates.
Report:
{"hour": 11, "minute": 53}
